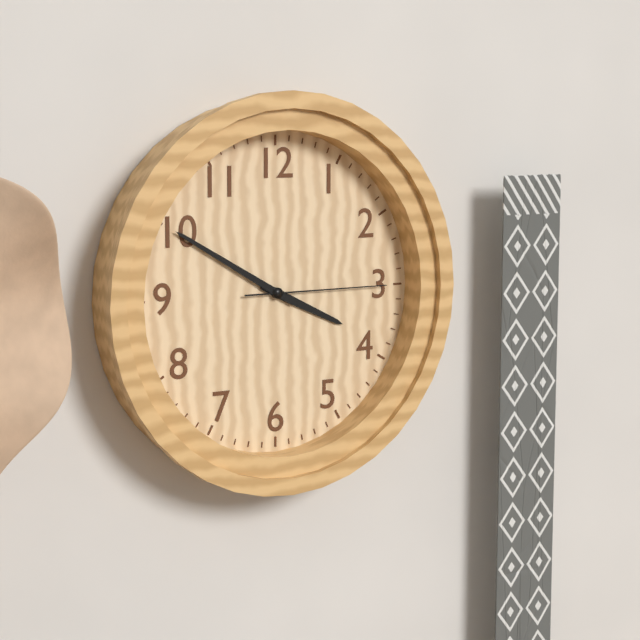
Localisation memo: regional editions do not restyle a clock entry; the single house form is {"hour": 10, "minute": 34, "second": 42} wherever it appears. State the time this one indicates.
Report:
{"hour": 3, "minute": 50, "second": 15}
